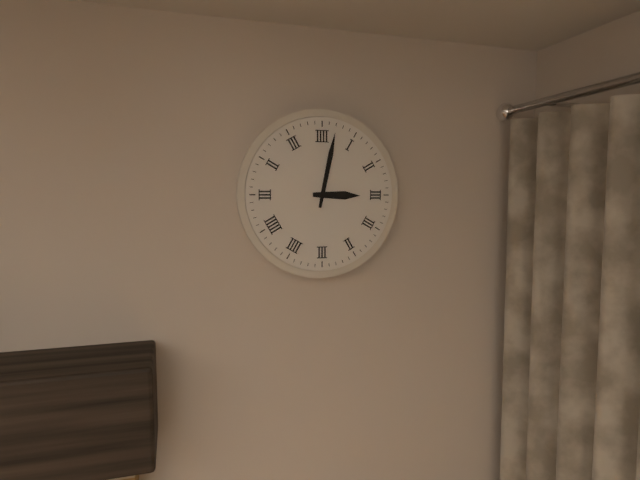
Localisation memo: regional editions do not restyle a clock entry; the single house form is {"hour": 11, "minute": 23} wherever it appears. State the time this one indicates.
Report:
{"hour": 3, "minute": 2}
